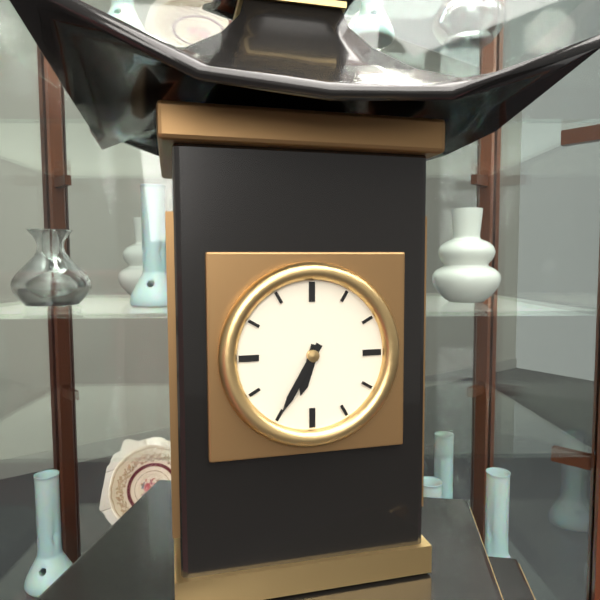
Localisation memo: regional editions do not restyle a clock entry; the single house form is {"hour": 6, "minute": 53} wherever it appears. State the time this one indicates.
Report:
{"hour": 6, "minute": 35}
